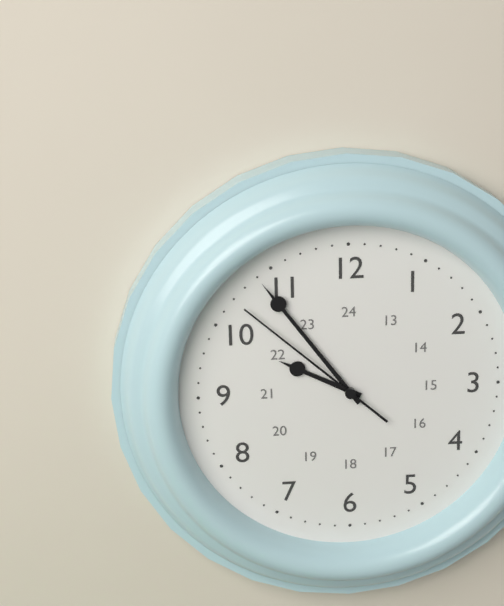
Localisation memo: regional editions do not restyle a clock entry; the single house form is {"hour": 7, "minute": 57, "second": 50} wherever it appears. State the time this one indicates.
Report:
{"hour": 9, "minute": 54, "second": 52}
